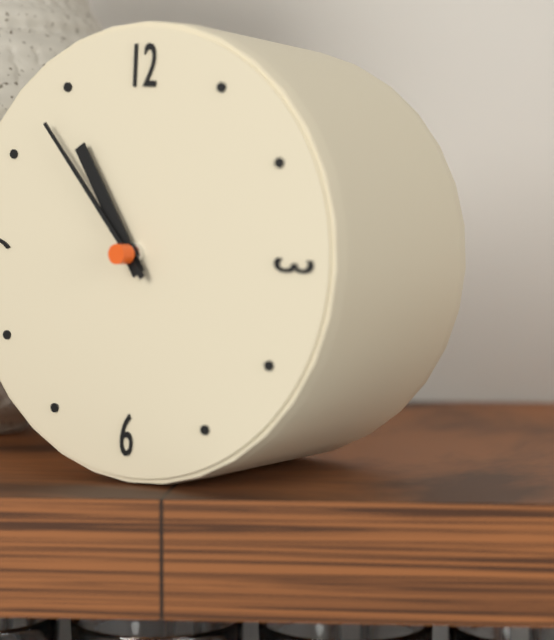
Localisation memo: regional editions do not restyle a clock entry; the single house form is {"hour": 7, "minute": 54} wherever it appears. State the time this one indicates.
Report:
{"hour": 10, "minute": 53}
